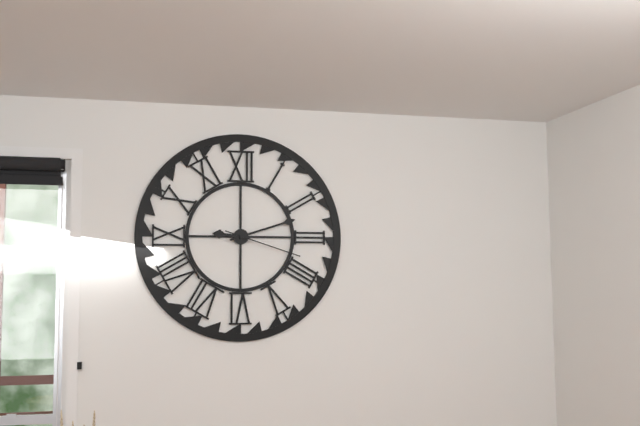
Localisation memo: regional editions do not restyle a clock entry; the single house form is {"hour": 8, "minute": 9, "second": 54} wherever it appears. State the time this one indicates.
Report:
{"hour": 9, "minute": 12, "second": 18}
